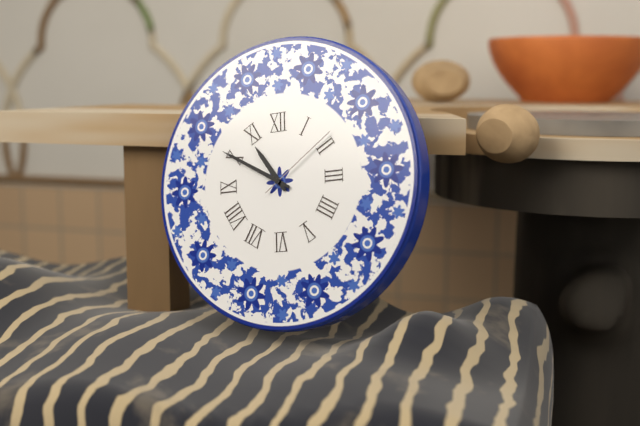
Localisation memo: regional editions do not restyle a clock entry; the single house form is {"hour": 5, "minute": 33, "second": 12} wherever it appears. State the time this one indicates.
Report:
{"hour": 10, "minute": 50, "second": 9}
